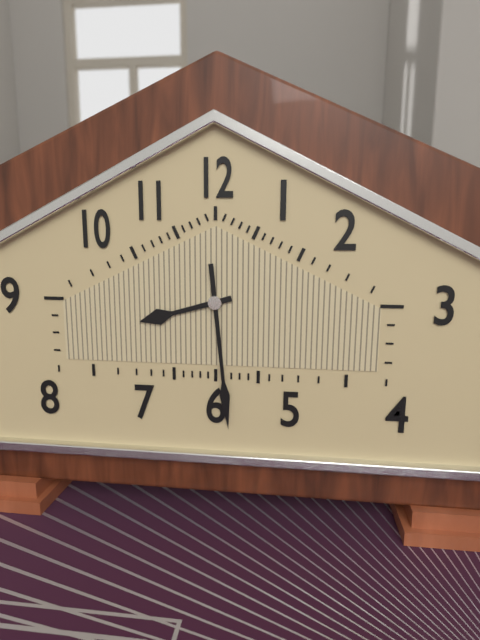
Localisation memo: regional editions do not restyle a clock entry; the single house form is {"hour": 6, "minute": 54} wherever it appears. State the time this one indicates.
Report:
{"hour": 8, "minute": 29}
